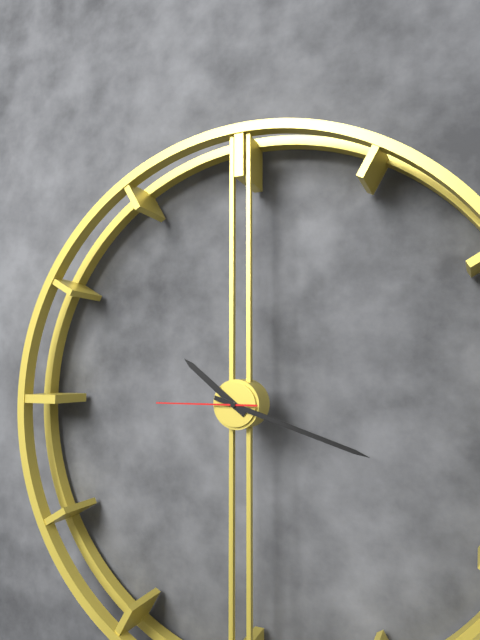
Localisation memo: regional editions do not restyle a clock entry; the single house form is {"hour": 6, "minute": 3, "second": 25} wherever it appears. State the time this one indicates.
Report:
{"hour": 10, "minute": 18, "second": 45}
